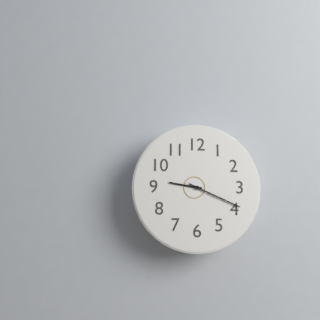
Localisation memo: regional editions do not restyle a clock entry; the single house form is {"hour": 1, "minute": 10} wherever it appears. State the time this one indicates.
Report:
{"hour": 9, "minute": 19}
